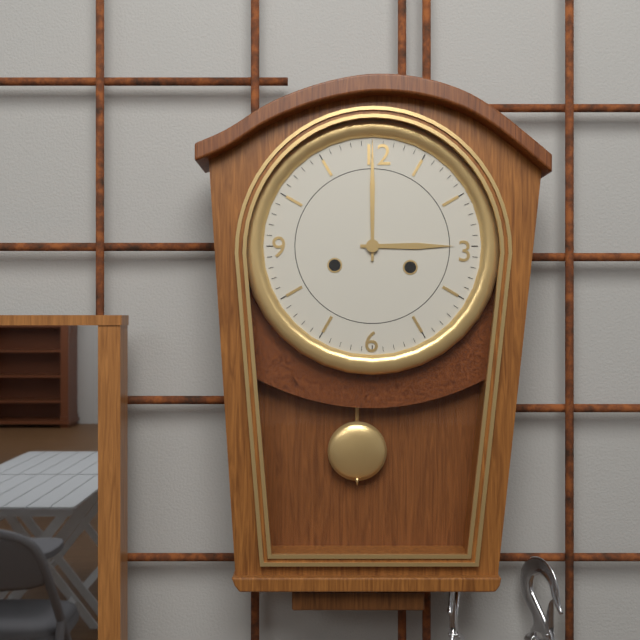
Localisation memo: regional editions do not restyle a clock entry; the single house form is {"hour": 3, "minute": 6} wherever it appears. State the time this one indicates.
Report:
{"hour": 3, "minute": 0}
